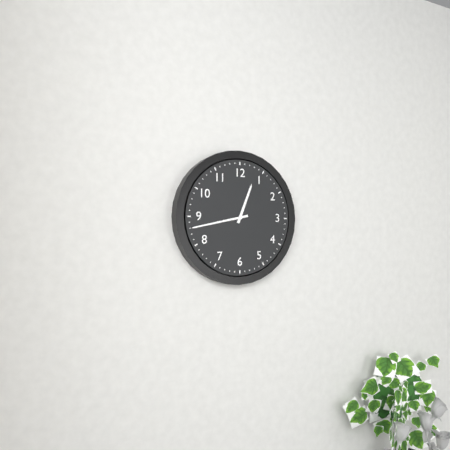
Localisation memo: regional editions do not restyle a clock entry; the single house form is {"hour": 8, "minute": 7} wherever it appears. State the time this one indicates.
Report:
{"hour": 12, "minute": 43}
